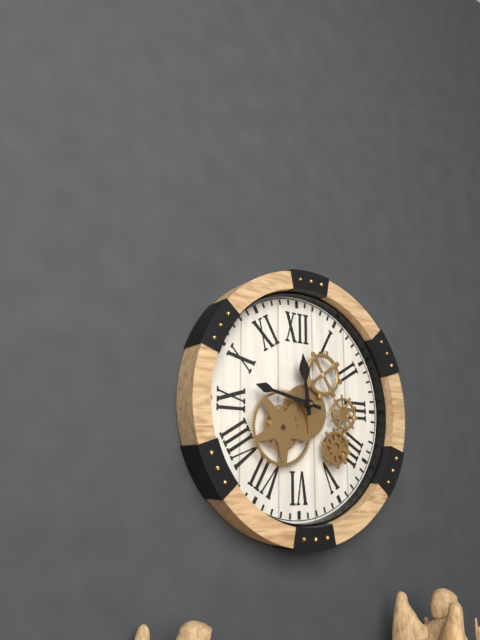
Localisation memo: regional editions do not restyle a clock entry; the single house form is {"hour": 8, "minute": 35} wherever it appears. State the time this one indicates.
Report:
{"hour": 11, "minute": 47}
